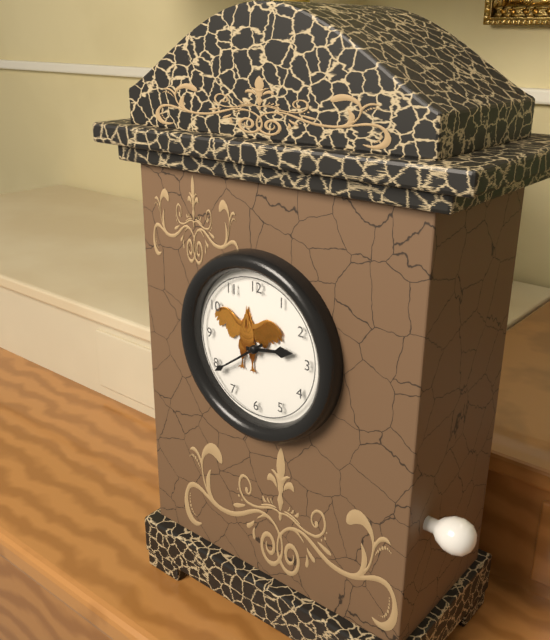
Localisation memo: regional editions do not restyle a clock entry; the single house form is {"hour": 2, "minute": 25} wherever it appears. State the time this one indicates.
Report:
{"hour": 2, "minute": 39}
